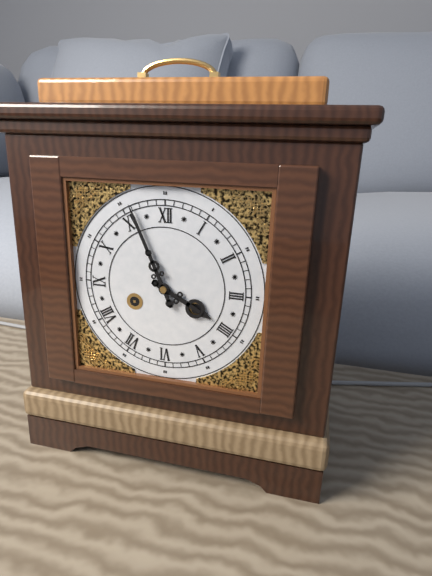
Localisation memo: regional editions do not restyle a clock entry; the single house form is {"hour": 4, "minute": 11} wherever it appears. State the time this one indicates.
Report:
{"hour": 3, "minute": 56}
